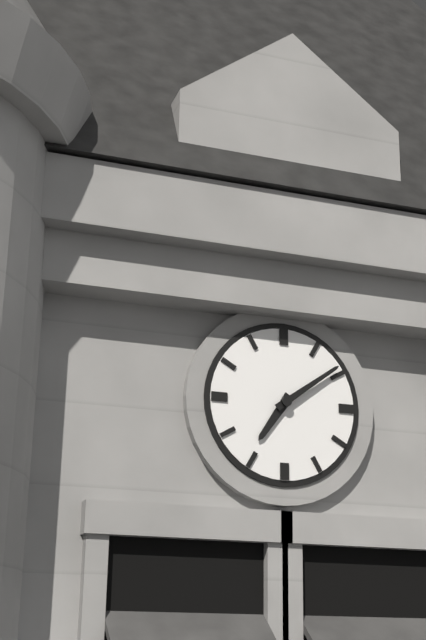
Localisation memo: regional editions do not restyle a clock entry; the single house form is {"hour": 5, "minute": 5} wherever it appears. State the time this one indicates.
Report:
{"hour": 7, "minute": 9}
